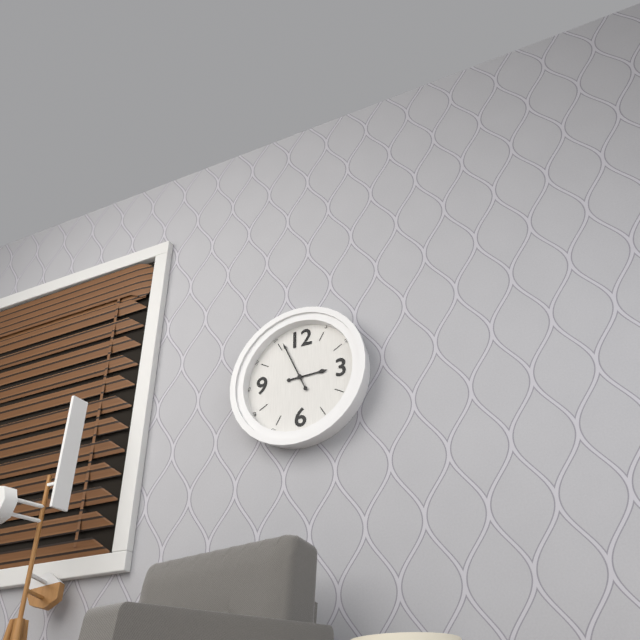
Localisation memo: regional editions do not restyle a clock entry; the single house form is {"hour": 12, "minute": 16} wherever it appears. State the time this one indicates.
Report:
{"hour": 2, "minute": 56}
